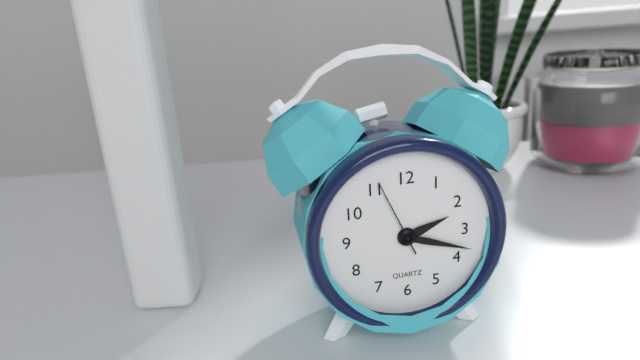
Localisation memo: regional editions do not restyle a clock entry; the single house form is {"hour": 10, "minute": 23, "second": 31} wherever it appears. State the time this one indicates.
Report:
{"hour": 2, "minute": 18, "second": 56}
